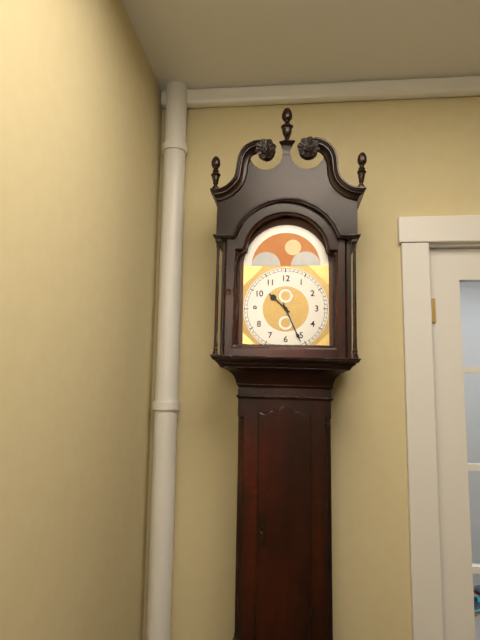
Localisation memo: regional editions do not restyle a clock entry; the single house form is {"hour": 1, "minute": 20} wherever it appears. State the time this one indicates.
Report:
{"hour": 10, "minute": 26}
